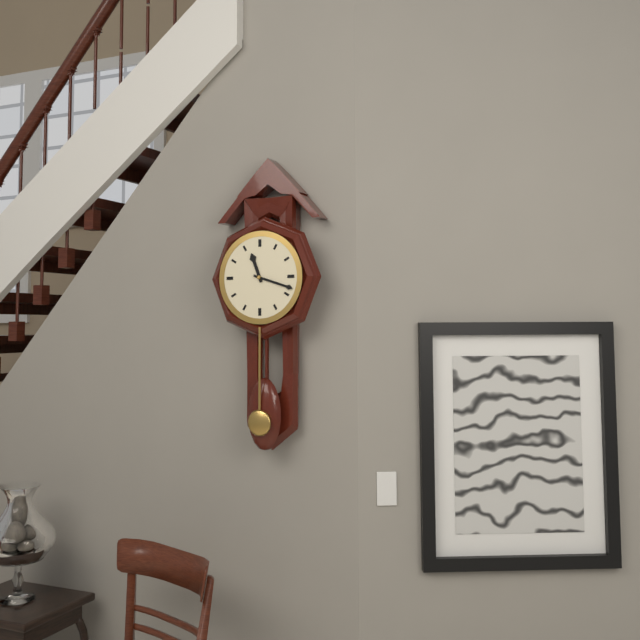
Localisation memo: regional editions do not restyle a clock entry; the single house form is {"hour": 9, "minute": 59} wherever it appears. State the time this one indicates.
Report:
{"hour": 11, "minute": 18}
